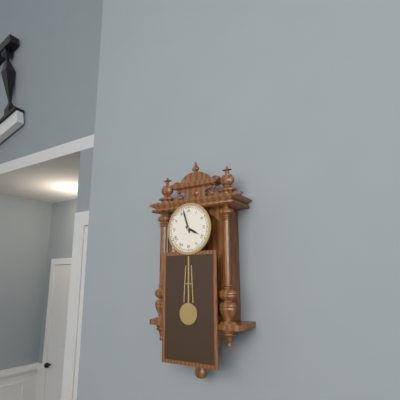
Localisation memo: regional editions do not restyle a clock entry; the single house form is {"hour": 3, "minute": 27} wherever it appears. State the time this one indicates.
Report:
{"hour": 3, "minute": 57}
